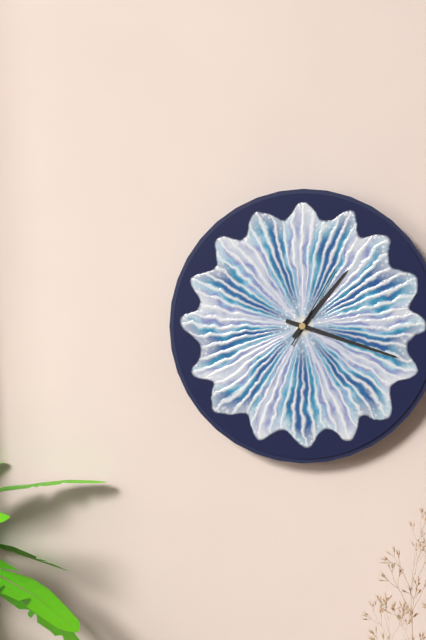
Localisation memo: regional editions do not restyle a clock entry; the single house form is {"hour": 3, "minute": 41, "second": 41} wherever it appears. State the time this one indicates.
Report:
{"hour": 1, "minute": 18, "second": 5}
